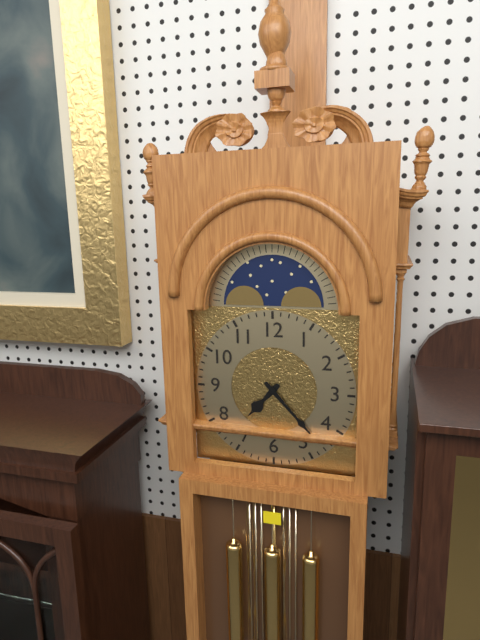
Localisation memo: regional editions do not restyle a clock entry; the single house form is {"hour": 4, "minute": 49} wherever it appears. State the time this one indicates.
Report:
{"hour": 7, "minute": 23}
